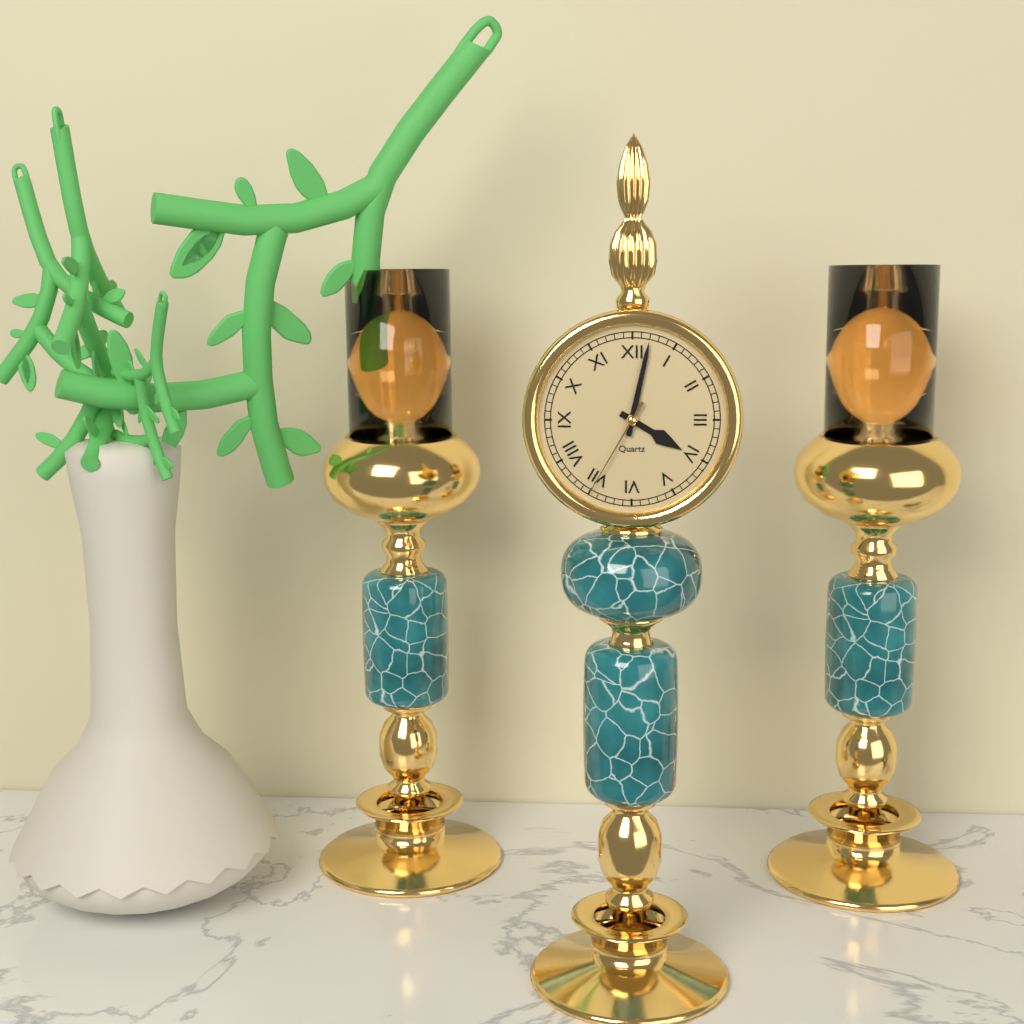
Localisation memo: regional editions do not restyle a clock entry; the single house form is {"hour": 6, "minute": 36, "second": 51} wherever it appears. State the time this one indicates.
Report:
{"hour": 4, "minute": 2, "second": 35}
